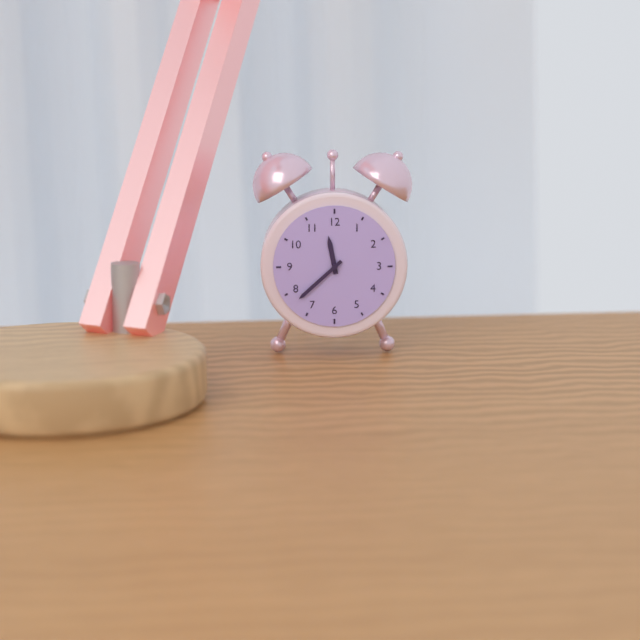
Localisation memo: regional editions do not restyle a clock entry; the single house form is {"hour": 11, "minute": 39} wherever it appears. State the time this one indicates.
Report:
{"hour": 11, "minute": 38}
